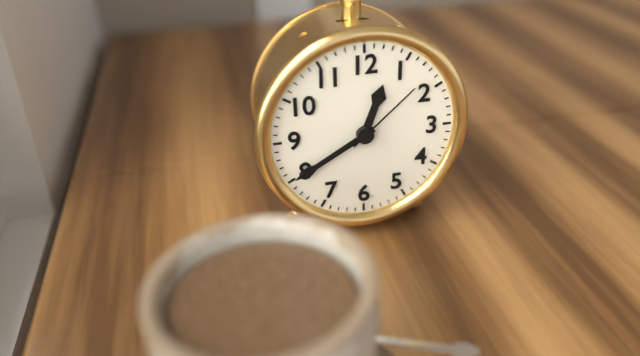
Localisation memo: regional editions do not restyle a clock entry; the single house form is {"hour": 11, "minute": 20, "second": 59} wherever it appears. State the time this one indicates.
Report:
{"hour": 12, "minute": 40, "second": 8}
